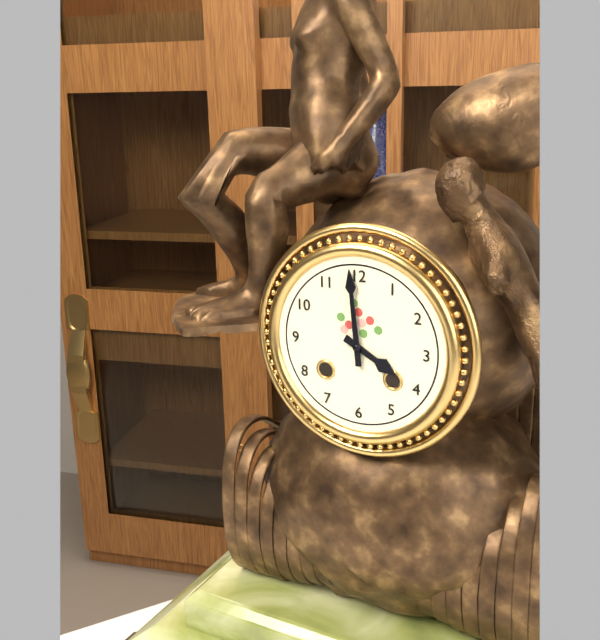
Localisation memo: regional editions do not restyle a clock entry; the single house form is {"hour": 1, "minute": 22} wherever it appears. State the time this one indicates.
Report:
{"hour": 3, "minute": 59}
